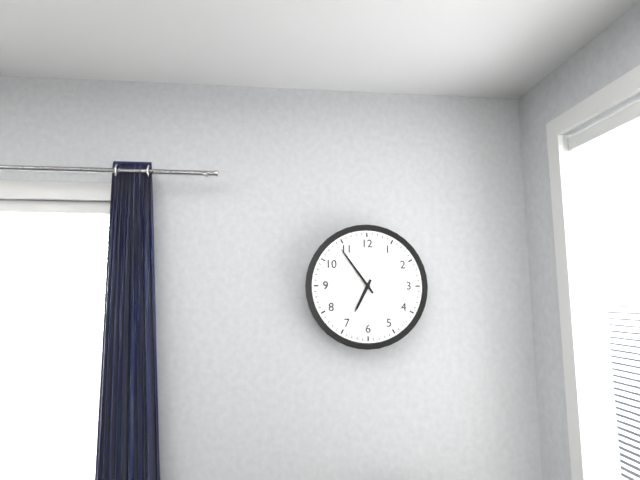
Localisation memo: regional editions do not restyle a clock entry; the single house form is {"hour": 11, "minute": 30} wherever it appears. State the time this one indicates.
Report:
{"hour": 6, "minute": 54}
